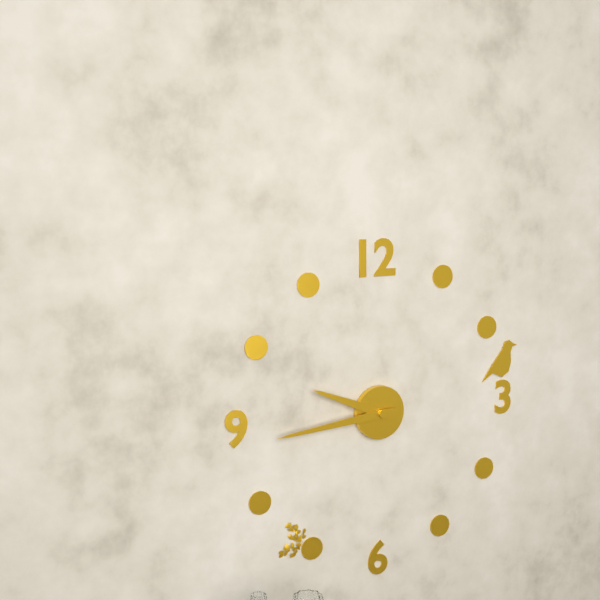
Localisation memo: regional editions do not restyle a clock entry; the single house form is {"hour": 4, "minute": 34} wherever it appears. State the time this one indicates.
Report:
{"hour": 9, "minute": 44}
